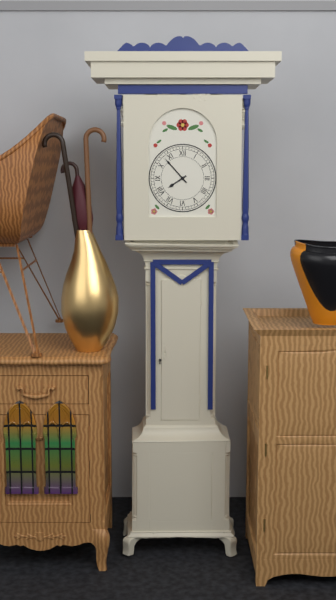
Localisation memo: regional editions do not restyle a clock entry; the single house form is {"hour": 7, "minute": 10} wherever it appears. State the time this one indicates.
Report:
{"hour": 7, "minute": 53}
